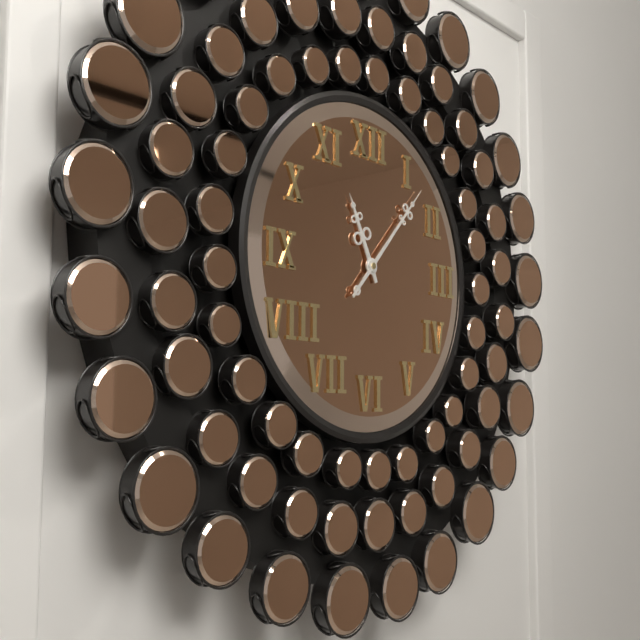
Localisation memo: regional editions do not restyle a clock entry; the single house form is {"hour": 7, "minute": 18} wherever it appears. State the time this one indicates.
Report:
{"hour": 11, "minute": 7}
